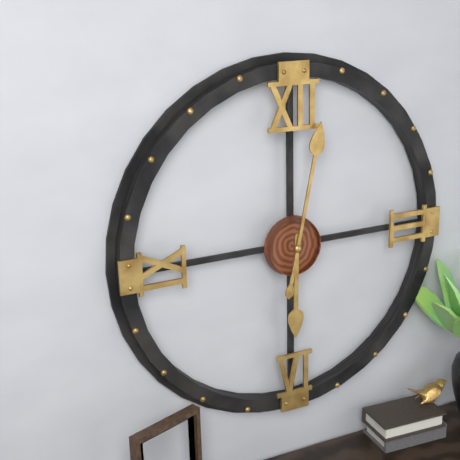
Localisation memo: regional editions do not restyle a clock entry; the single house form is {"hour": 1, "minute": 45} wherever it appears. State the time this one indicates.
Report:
{"hour": 6, "minute": 2}
